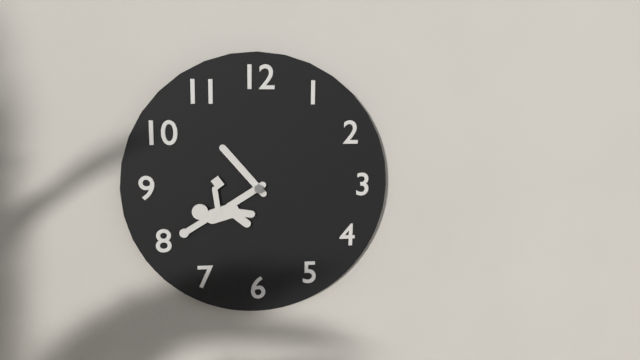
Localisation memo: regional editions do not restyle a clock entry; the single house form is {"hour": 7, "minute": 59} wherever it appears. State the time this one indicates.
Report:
{"hour": 10, "minute": 39}
